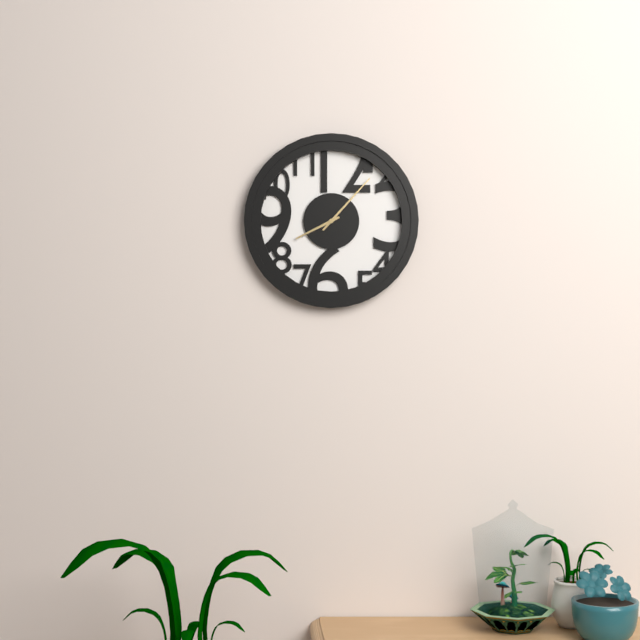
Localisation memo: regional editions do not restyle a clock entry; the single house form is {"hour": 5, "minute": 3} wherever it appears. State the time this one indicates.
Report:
{"hour": 8, "minute": 7}
